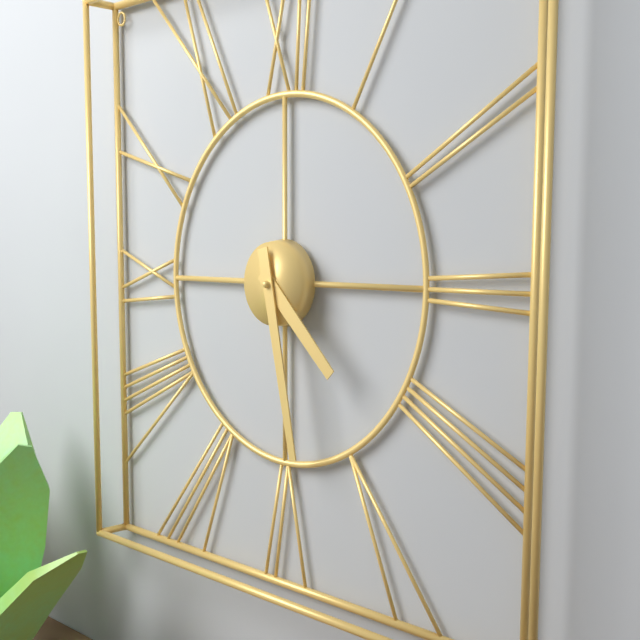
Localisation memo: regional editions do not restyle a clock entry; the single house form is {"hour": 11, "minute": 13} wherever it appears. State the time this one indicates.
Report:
{"hour": 4, "minute": 28}
